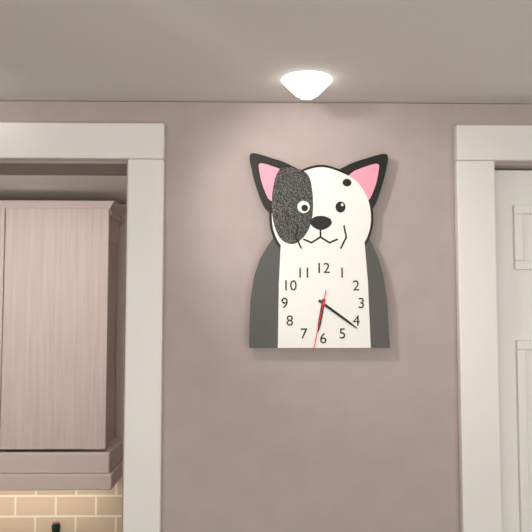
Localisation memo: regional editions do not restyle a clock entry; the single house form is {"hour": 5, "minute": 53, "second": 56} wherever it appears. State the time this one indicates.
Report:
{"hour": 6, "minute": 21, "second": 32}
